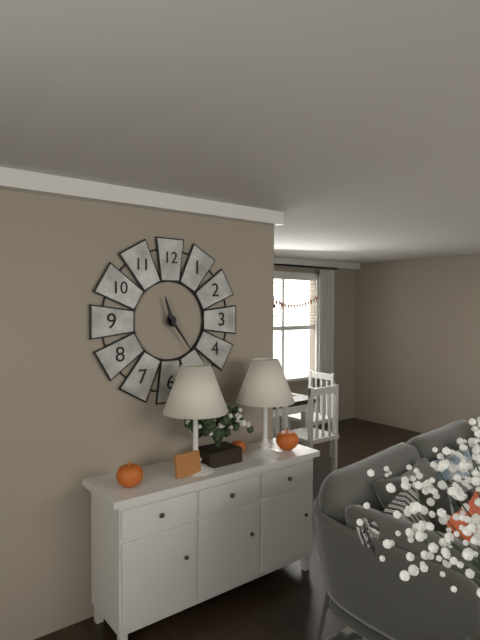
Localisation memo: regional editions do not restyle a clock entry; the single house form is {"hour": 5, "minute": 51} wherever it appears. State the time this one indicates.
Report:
{"hour": 11, "minute": 24}
